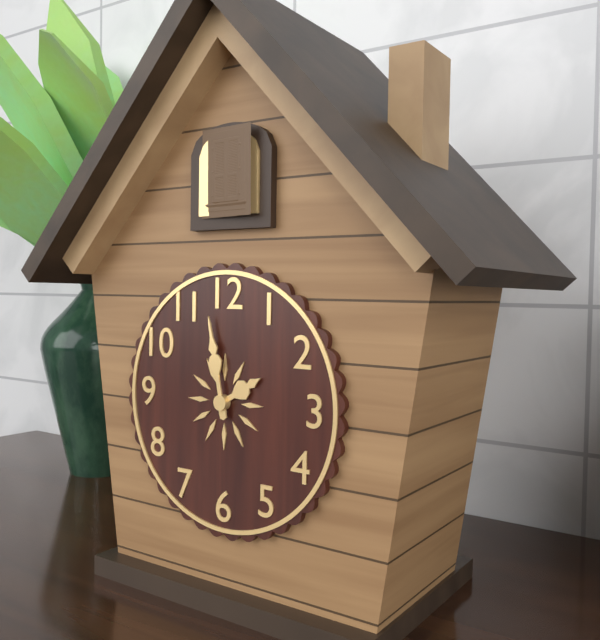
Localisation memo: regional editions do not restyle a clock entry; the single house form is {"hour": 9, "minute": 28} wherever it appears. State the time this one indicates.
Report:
{"hour": 1, "minute": 58}
